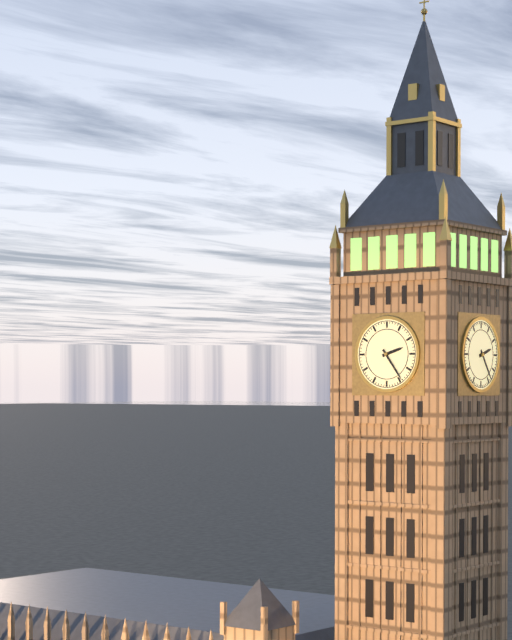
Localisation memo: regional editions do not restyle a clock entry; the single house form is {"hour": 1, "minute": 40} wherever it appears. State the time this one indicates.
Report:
{"hour": 2, "minute": 24}
